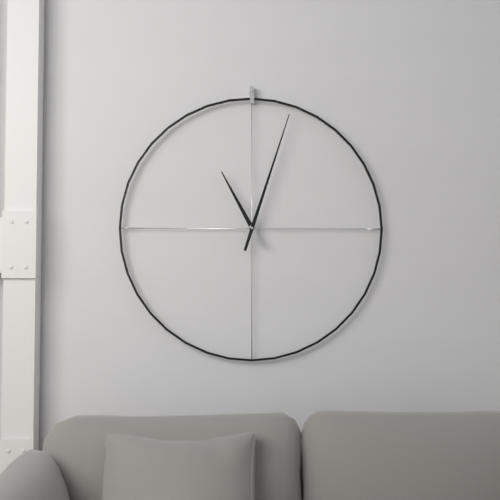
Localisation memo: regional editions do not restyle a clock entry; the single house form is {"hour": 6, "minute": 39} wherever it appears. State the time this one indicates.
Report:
{"hour": 11, "minute": 3}
